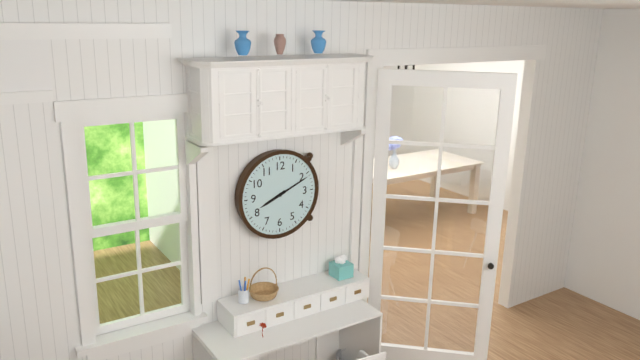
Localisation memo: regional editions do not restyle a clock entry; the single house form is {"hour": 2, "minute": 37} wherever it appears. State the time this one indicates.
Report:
{"hour": 8, "minute": 11}
